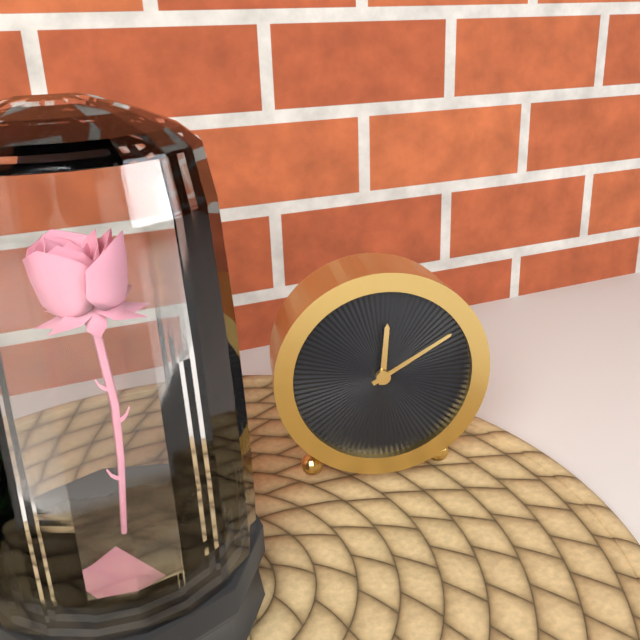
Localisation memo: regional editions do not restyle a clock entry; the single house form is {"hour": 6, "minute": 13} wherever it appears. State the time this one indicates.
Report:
{"hour": 12, "minute": 10}
